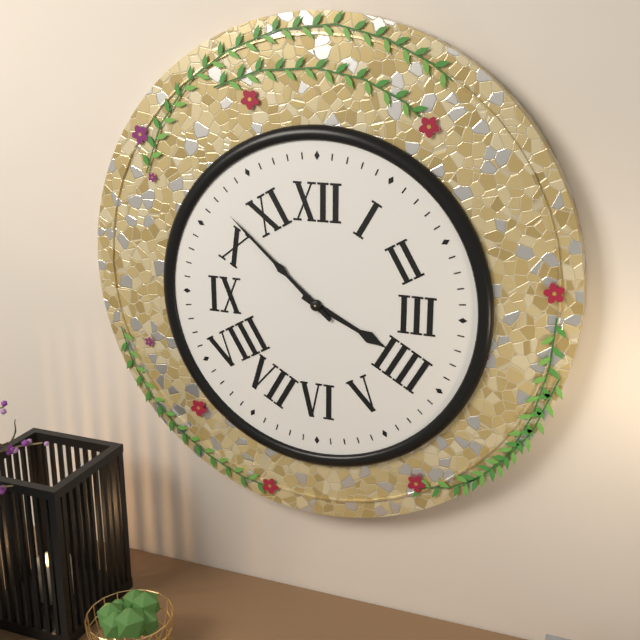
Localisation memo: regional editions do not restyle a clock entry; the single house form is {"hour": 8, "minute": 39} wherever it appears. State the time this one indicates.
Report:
{"hour": 3, "minute": 52}
